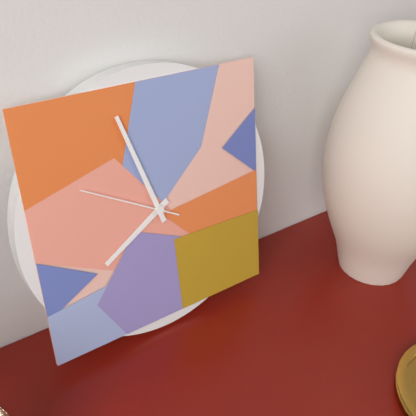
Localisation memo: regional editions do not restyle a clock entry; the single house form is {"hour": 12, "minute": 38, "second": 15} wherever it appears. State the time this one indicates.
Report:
{"hour": 7, "minute": 57, "second": 50}
